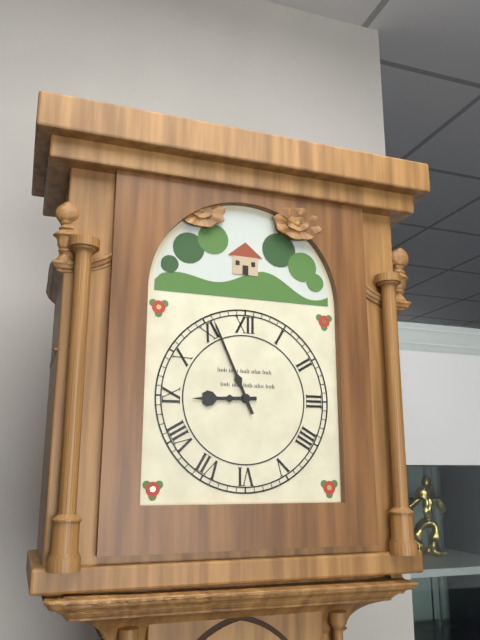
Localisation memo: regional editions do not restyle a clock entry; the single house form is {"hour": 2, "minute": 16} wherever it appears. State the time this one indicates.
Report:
{"hour": 8, "minute": 56}
